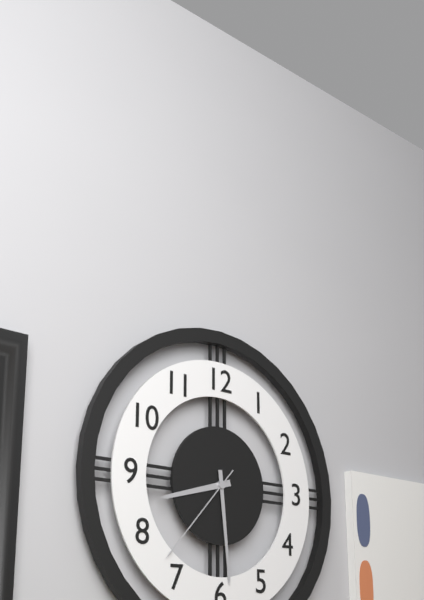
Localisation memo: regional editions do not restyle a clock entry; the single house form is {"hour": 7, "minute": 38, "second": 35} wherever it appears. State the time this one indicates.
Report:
{"hour": 8, "minute": 29, "second": 37}
